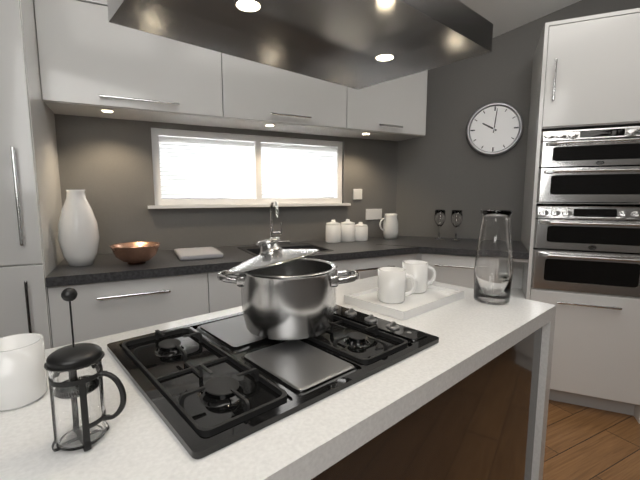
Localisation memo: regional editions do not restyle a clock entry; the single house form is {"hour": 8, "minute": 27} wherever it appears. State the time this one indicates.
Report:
{"hour": 10, "minute": 1}
